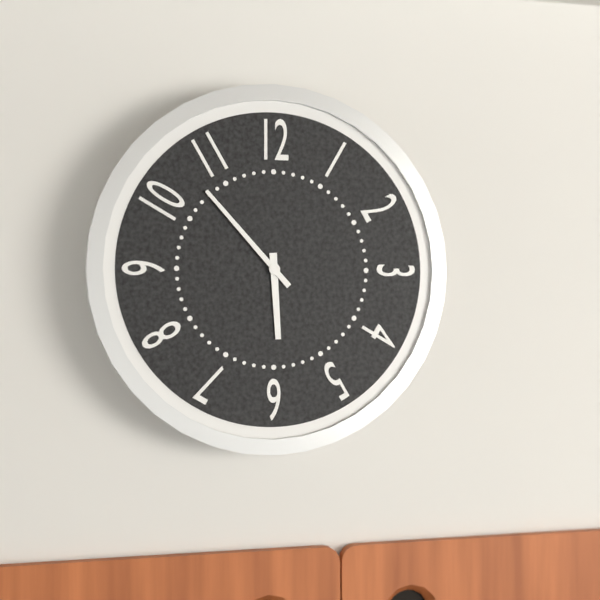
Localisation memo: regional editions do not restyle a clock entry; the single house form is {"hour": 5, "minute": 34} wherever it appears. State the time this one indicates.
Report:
{"hour": 5, "minute": 53}
